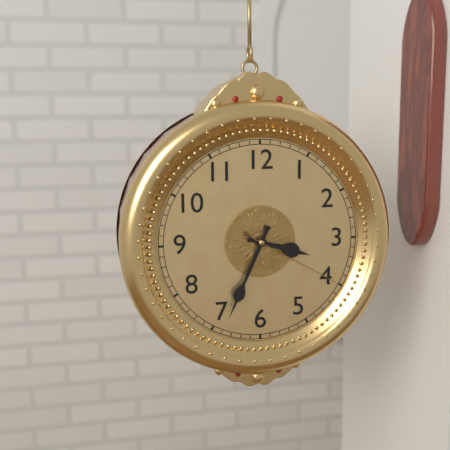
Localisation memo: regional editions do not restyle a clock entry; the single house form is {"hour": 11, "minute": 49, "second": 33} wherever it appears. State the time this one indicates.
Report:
{"hour": 3, "minute": 34, "second": 20}
